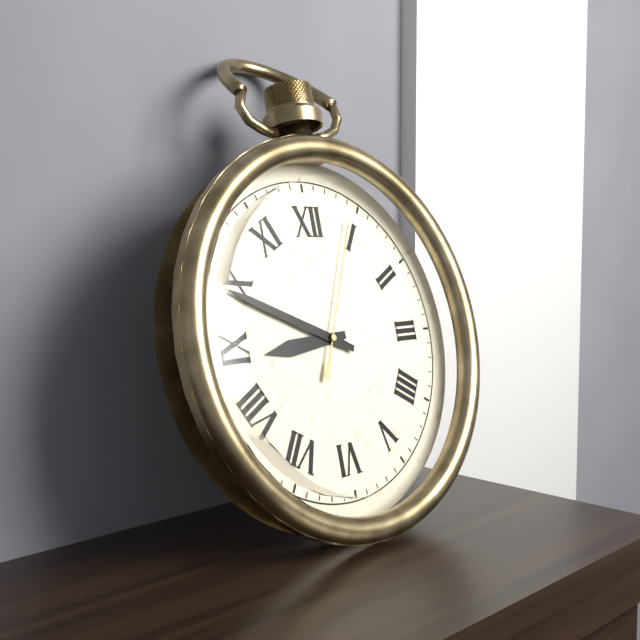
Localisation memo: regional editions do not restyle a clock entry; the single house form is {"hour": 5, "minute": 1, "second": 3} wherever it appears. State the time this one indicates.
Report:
{"hour": 8, "minute": 49, "second": 4}
